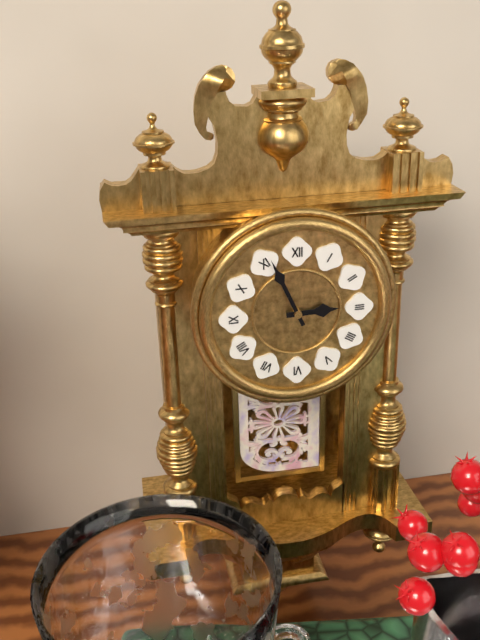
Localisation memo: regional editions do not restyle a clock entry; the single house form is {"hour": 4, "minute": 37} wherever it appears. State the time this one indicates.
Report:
{"hour": 2, "minute": 56}
